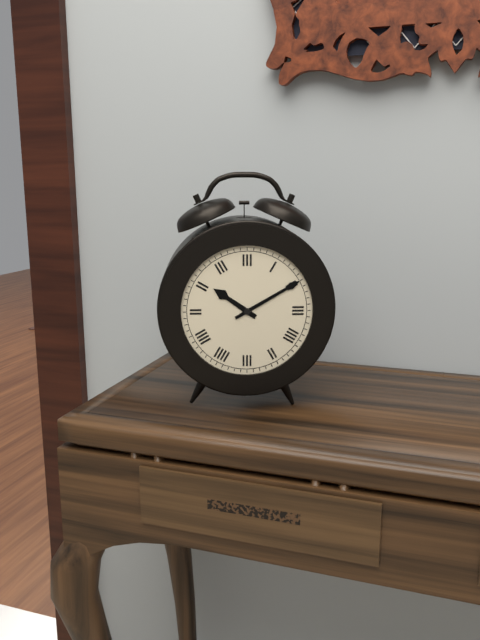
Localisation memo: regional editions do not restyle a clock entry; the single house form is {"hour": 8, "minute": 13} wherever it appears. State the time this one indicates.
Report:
{"hour": 10, "minute": 10}
